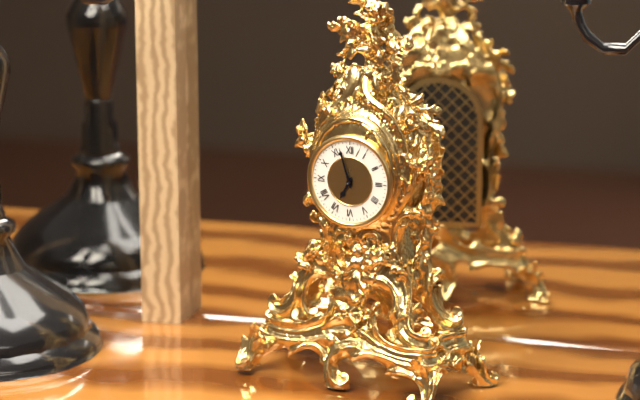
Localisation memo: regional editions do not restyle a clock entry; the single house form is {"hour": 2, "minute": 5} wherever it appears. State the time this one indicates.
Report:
{"hour": 6, "minute": 57}
